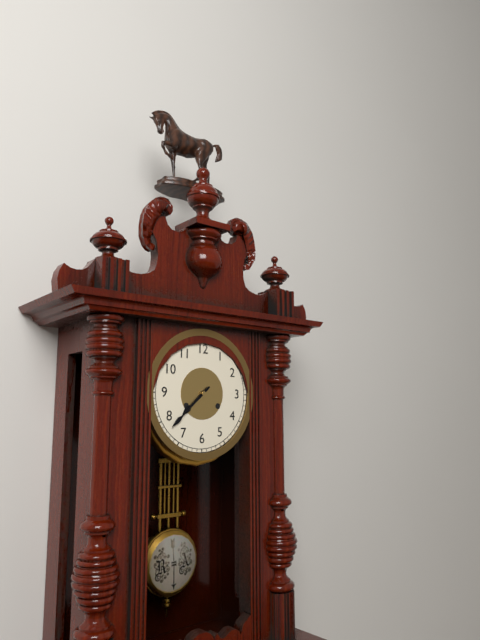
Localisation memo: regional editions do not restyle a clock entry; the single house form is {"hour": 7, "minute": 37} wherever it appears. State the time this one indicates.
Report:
{"hour": 7, "minute": 38}
